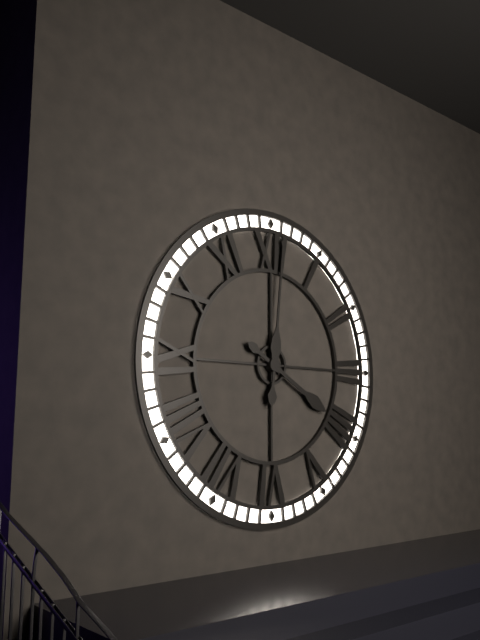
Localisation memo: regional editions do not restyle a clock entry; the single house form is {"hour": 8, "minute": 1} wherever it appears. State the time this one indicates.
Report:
{"hour": 4, "minute": 1}
